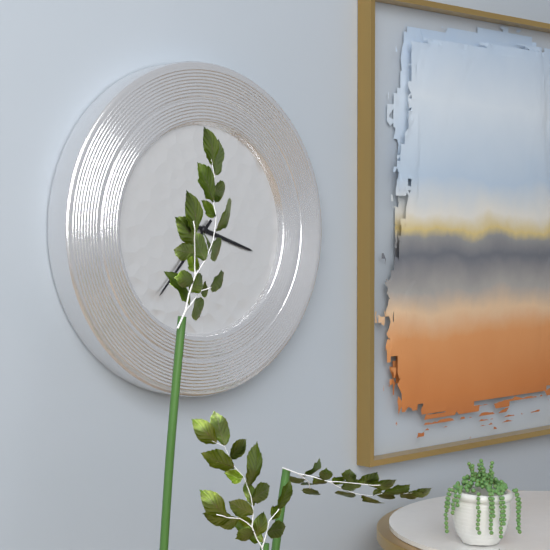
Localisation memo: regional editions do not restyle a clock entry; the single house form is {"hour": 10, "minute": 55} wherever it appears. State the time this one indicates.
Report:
{"hour": 3, "minute": 37}
